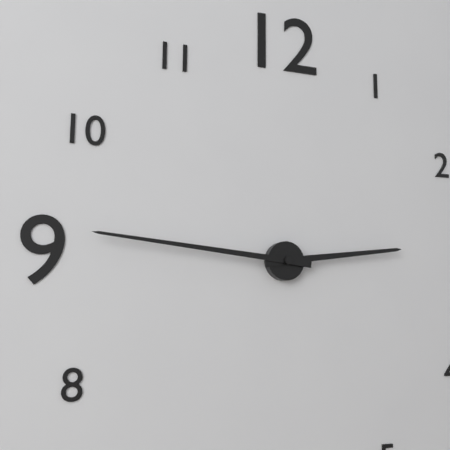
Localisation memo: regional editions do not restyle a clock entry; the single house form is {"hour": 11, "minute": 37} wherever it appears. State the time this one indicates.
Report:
{"hour": 2, "minute": 46}
